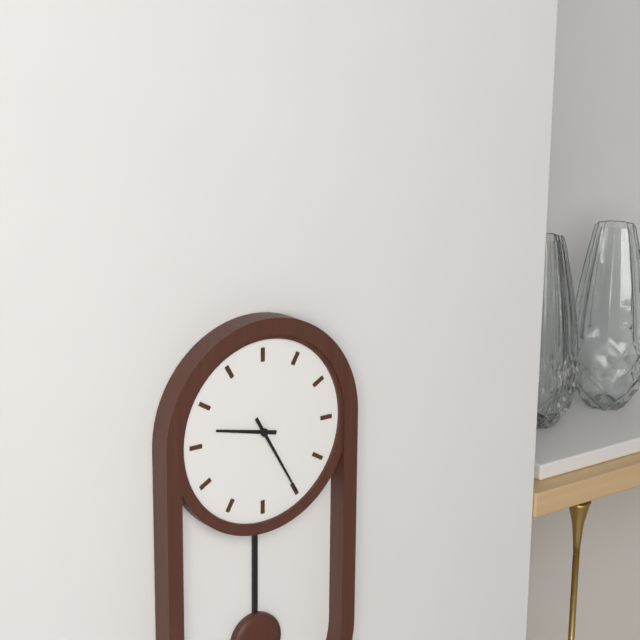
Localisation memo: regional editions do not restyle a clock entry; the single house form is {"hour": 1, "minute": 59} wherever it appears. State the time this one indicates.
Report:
{"hour": 9, "minute": 25}
